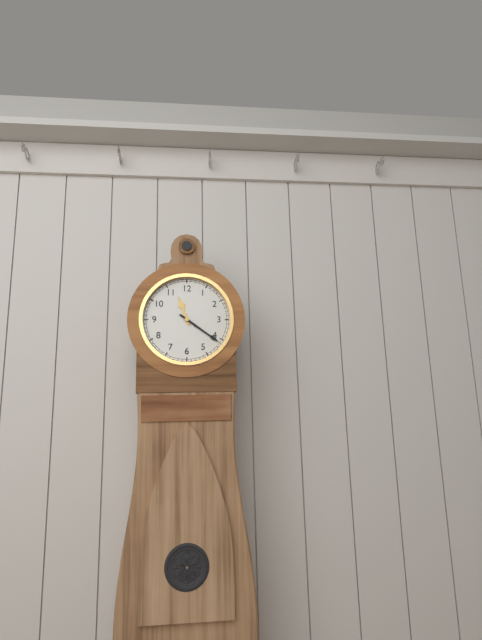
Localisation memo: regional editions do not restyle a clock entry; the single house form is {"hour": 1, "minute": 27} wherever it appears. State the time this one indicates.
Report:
{"hour": 11, "minute": 21}
